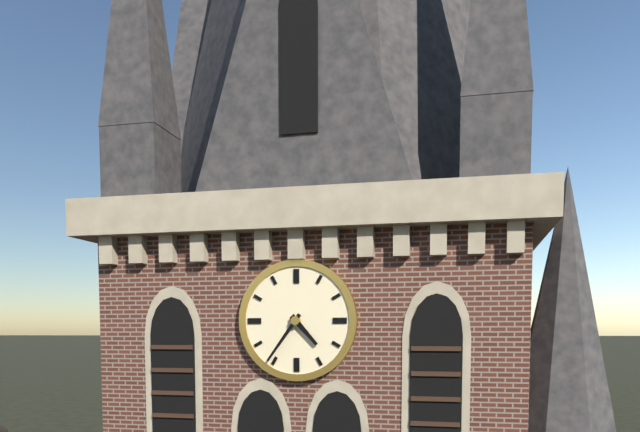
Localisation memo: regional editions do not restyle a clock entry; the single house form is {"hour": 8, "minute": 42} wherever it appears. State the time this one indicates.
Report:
{"hour": 4, "minute": 36}
